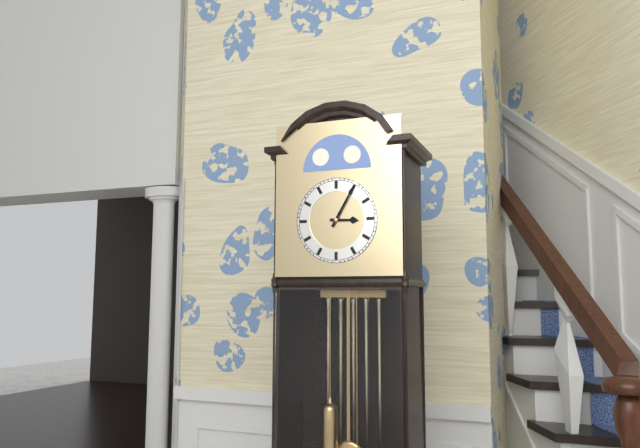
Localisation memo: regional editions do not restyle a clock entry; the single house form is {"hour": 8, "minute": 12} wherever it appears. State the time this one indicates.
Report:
{"hour": 3, "minute": 5}
